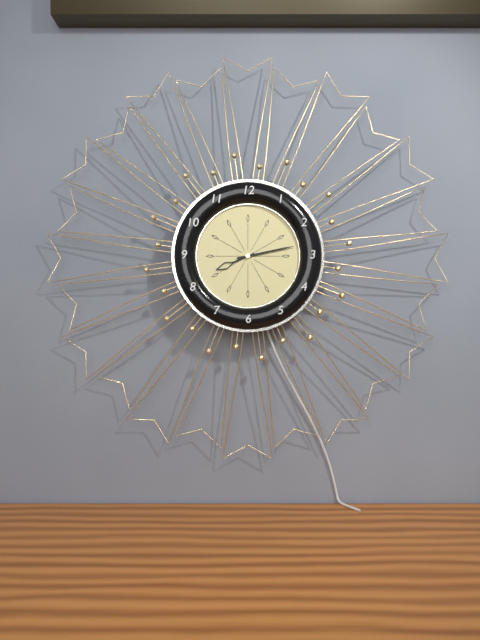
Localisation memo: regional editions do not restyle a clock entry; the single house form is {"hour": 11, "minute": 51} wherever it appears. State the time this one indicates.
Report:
{"hour": 8, "minute": 13}
